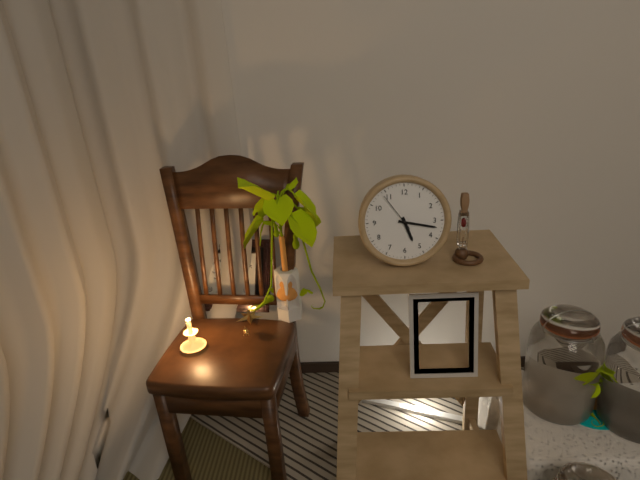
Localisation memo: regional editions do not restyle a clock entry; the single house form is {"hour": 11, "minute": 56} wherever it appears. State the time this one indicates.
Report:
{"hour": 5, "minute": 17}
